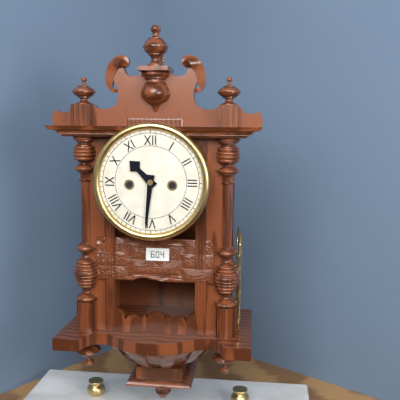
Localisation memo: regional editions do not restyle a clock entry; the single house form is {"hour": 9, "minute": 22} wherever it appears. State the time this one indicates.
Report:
{"hour": 10, "minute": 31}
